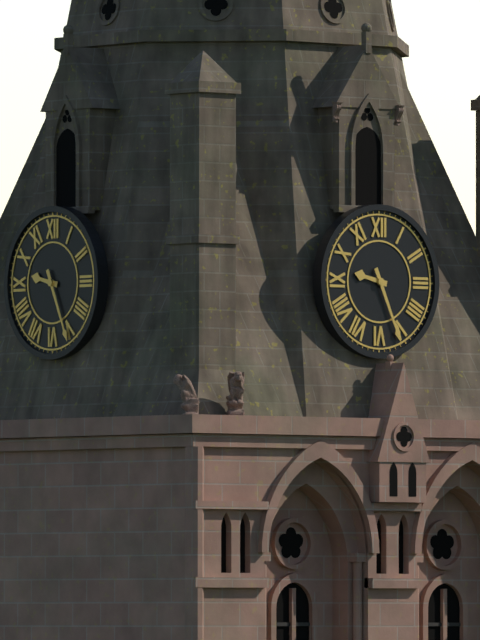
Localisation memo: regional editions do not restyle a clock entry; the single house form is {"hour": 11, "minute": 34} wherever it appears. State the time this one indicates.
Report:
{"hour": 9, "minute": 26}
